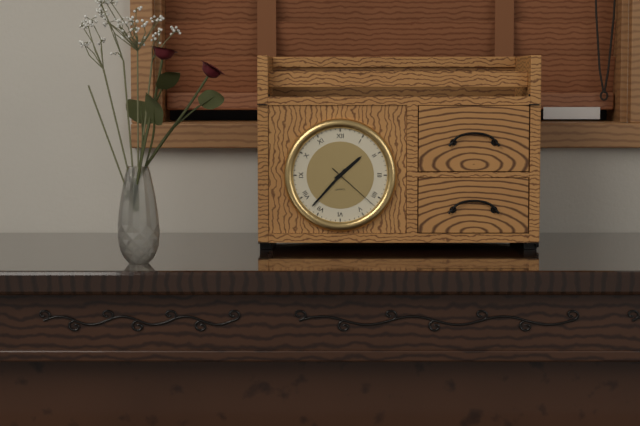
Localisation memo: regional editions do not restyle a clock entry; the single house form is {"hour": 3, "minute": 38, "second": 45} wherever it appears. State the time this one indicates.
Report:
{"hour": 1, "minute": 37, "second": 22}
